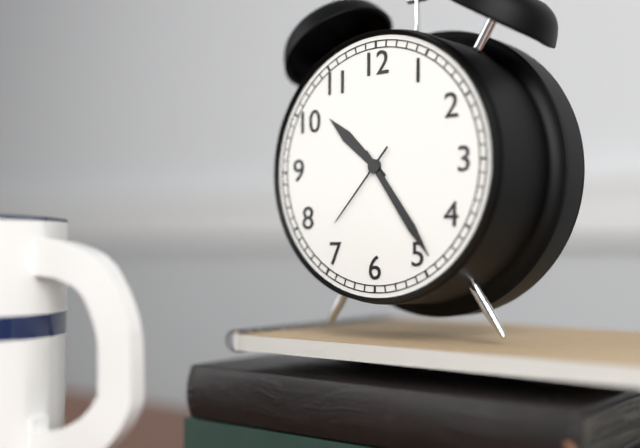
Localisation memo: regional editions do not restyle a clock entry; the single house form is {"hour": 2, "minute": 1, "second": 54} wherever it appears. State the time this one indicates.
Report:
{"hour": 10, "minute": 24, "second": 37}
